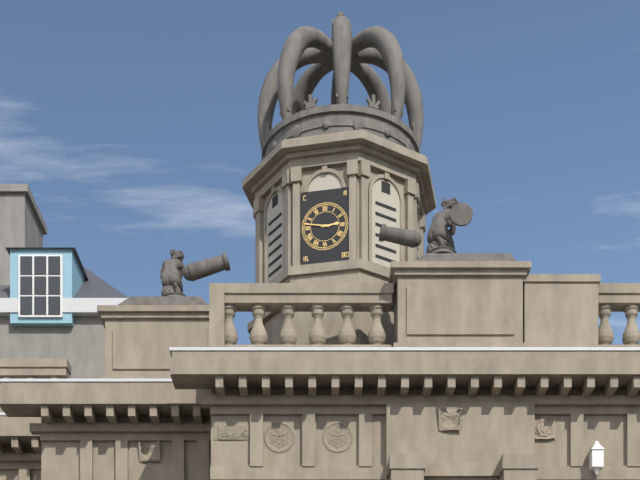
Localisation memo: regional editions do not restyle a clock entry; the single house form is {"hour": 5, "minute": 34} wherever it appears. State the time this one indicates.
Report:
{"hour": 2, "minute": 47}
